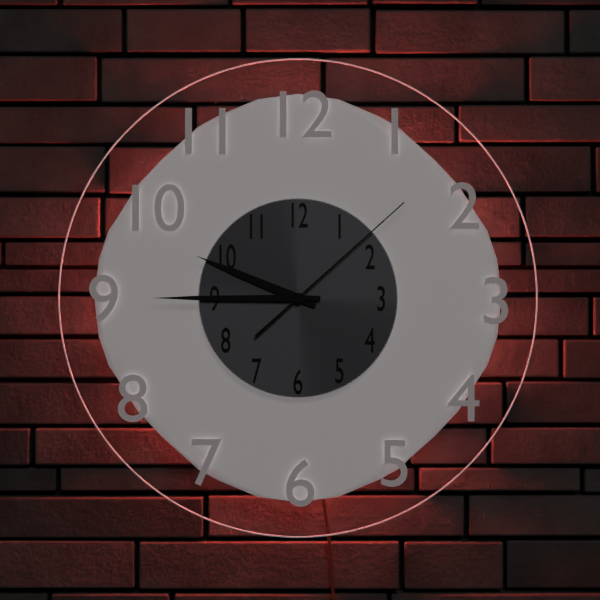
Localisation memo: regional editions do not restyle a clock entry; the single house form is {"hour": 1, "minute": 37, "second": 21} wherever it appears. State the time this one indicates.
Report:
{"hour": 9, "minute": 45, "second": 8}
